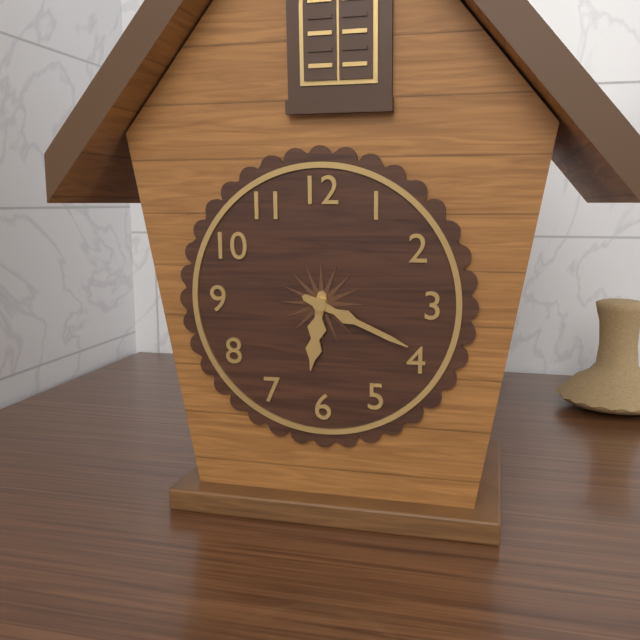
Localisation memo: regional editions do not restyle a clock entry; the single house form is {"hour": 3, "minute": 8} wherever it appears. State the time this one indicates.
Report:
{"hour": 6, "minute": 19}
